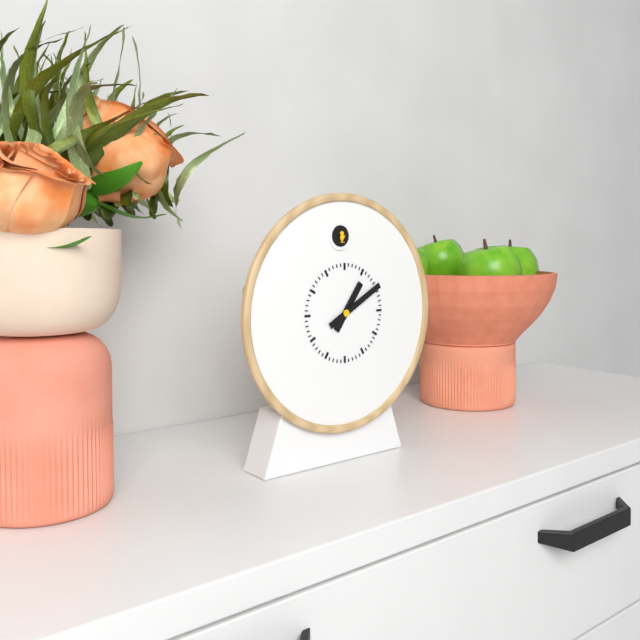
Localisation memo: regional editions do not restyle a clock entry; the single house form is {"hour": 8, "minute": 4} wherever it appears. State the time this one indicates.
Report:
{"hour": 1, "minute": 10}
